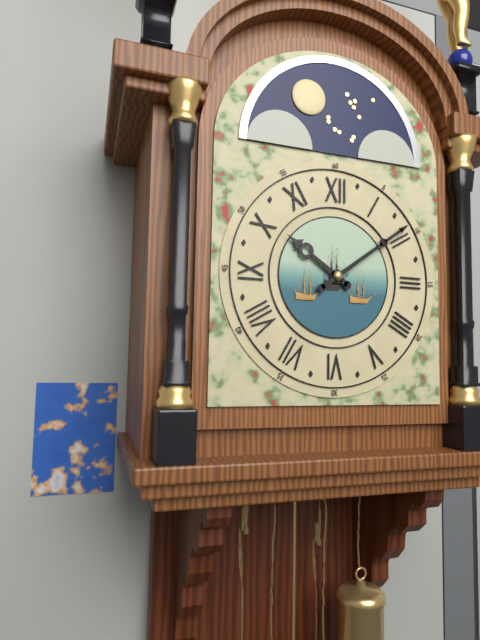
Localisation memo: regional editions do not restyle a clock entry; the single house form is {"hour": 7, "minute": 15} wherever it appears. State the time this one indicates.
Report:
{"hour": 10, "minute": 9}
